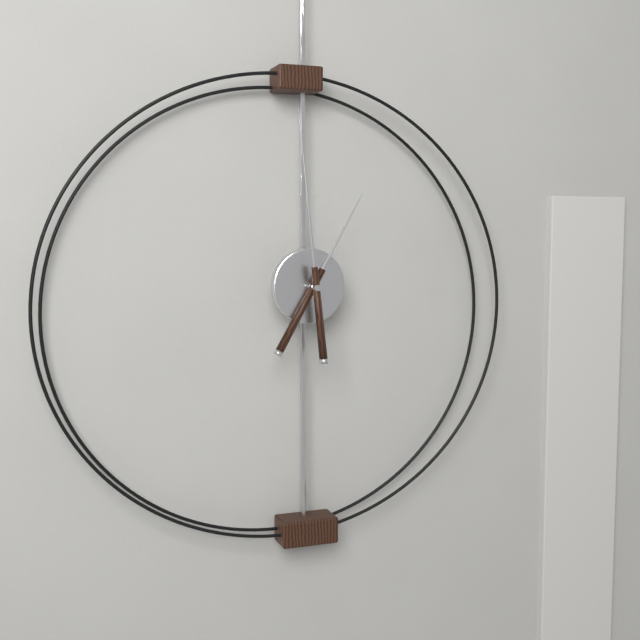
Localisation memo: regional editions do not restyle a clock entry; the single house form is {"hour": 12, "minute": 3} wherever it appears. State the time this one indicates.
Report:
{"hour": 12, "minute": 59}
